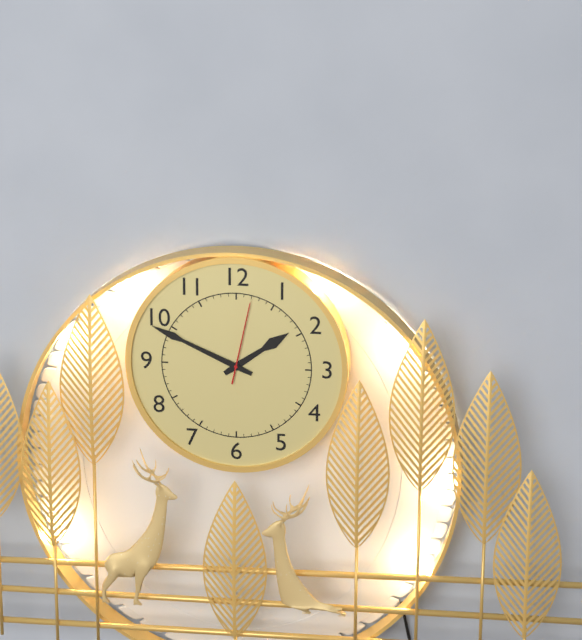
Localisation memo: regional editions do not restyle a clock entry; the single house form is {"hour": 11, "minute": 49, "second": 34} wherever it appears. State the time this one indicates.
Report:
{"hour": 1, "minute": 49, "second": 2}
